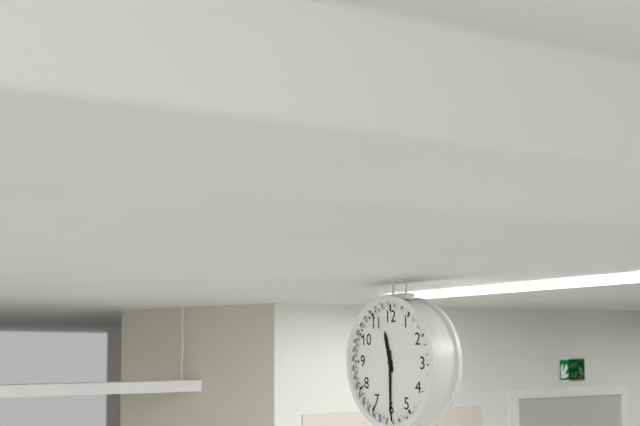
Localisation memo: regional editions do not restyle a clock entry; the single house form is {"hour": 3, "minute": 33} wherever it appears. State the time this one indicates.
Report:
{"hour": 11, "minute": 30}
